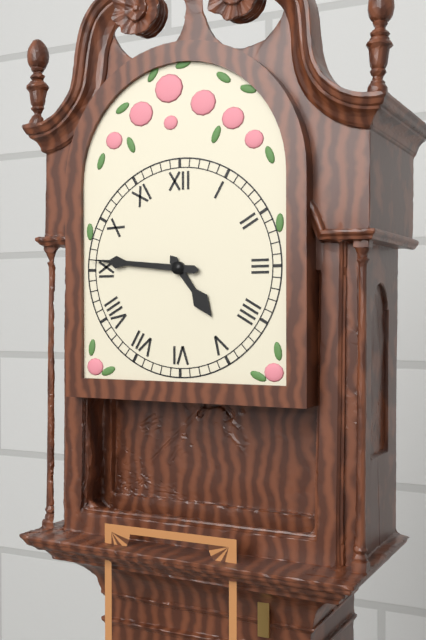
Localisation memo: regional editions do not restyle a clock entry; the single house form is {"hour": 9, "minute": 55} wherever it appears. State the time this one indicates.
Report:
{"hour": 4, "minute": 46}
